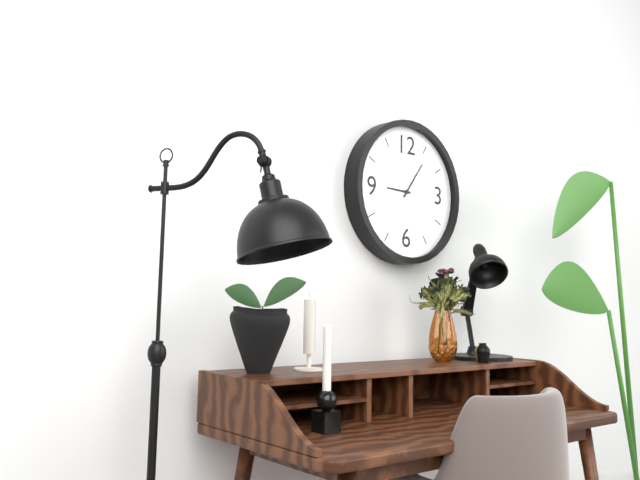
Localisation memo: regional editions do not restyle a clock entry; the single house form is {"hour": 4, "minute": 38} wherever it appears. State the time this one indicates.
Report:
{"hour": 9, "minute": 6}
